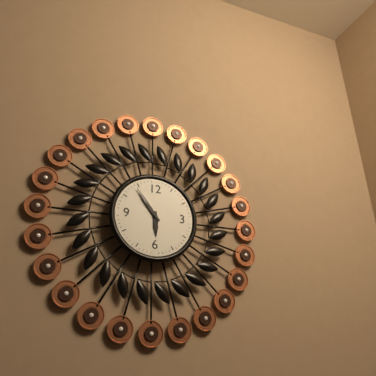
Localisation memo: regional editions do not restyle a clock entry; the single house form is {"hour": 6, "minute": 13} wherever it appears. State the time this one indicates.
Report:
{"hour": 5, "minute": 54}
